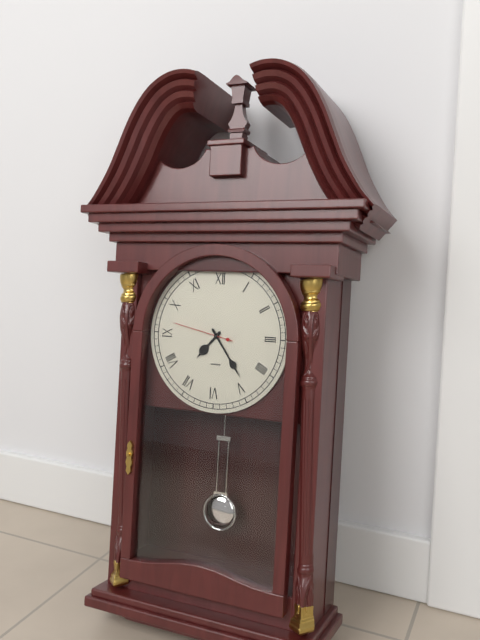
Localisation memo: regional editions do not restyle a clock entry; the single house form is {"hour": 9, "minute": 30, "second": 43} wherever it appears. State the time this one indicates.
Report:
{"hour": 7, "minute": 24, "second": 47}
